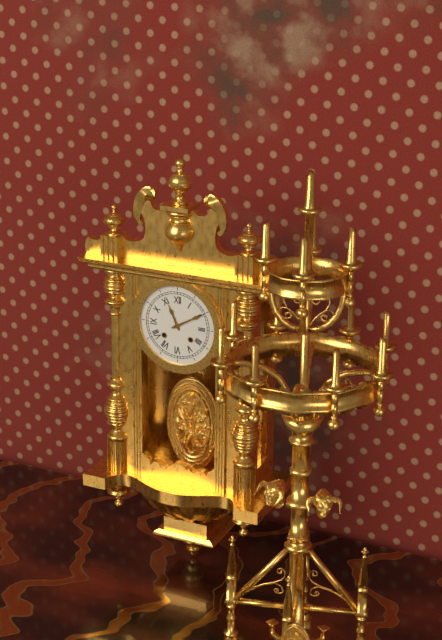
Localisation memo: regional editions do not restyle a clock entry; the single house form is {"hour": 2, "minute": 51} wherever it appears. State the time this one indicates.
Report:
{"hour": 11, "minute": 10}
